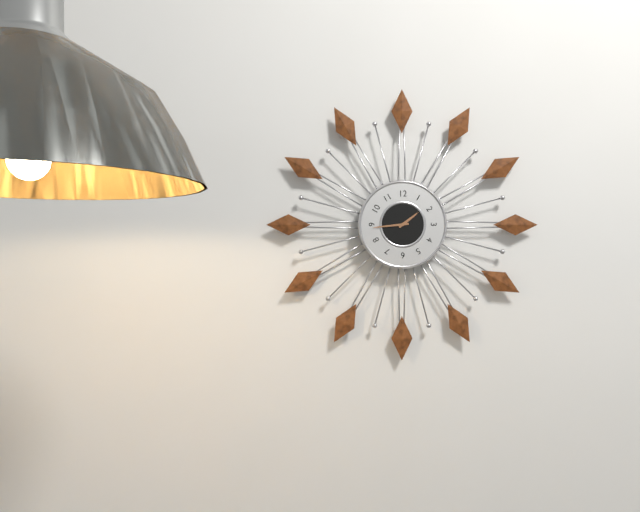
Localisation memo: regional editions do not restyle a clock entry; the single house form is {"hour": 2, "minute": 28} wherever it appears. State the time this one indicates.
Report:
{"hour": 1, "minute": 44}
